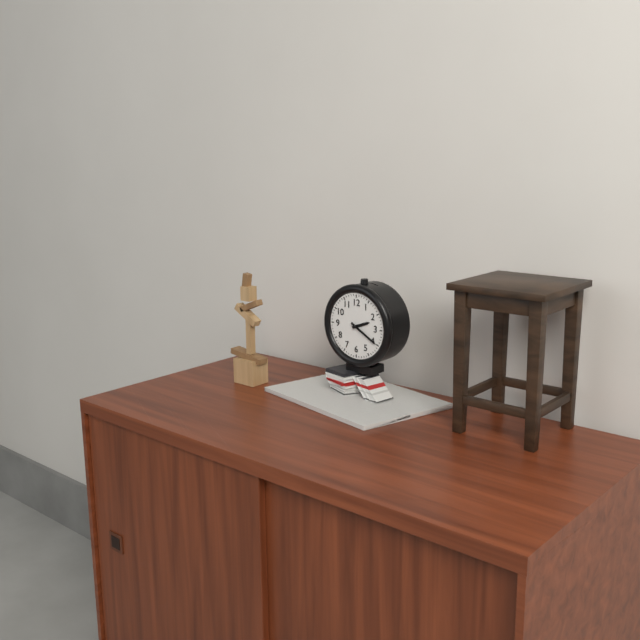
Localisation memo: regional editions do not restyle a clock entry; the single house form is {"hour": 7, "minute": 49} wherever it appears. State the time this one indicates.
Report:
{"hour": 2, "minute": 20}
